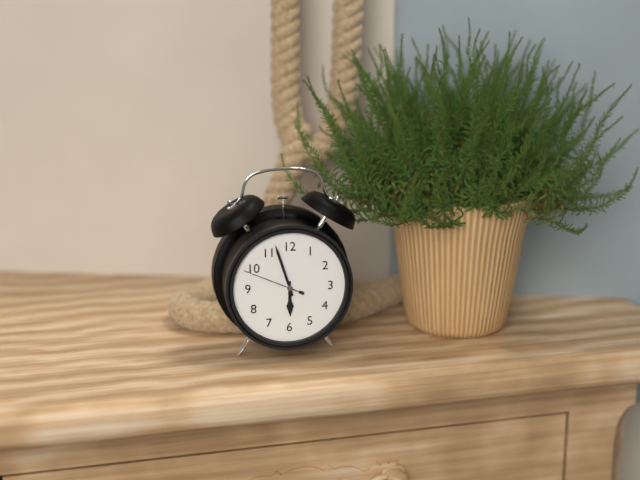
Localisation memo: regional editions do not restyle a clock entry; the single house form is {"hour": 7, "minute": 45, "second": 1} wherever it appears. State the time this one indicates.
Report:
{"hour": 5, "minute": 57, "second": 49}
